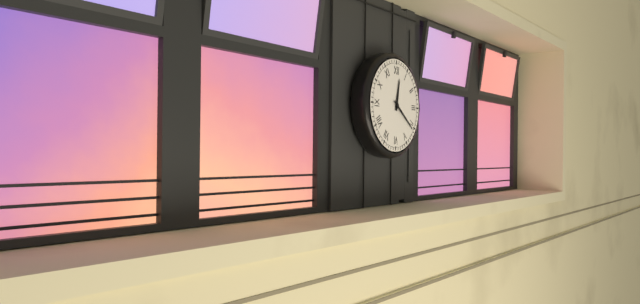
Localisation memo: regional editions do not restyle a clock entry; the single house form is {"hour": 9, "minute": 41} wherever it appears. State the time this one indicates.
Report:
{"hour": 12, "minute": 21}
